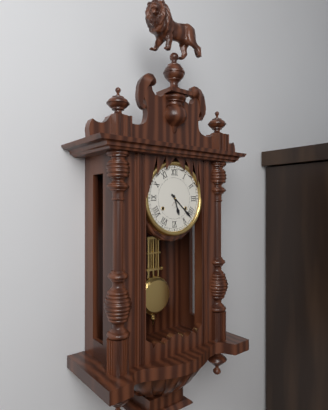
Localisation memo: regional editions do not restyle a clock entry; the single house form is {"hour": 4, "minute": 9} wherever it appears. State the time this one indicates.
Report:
{"hour": 5, "minute": 22}
